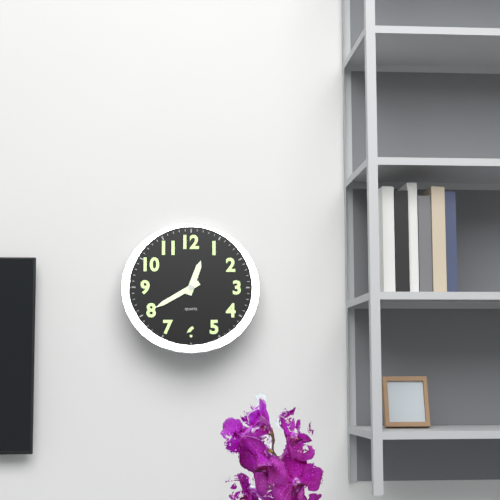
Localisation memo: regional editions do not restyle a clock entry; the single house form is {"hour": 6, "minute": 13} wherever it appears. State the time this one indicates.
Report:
{"hour": 12, "minute": 40}
